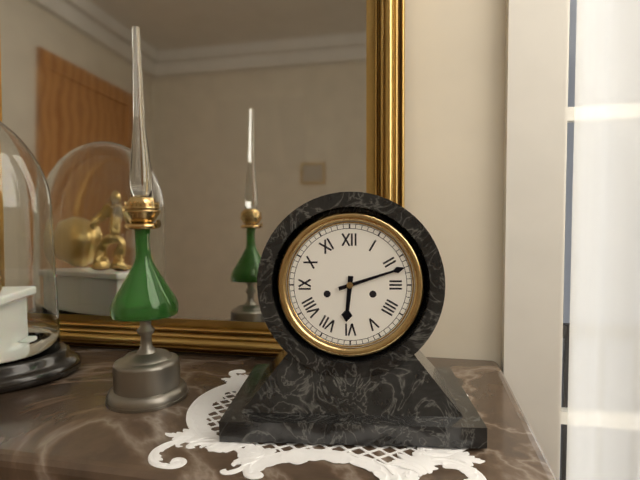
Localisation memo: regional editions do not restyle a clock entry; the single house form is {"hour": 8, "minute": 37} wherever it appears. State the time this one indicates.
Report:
{"hour": 6, "minute": 12}
